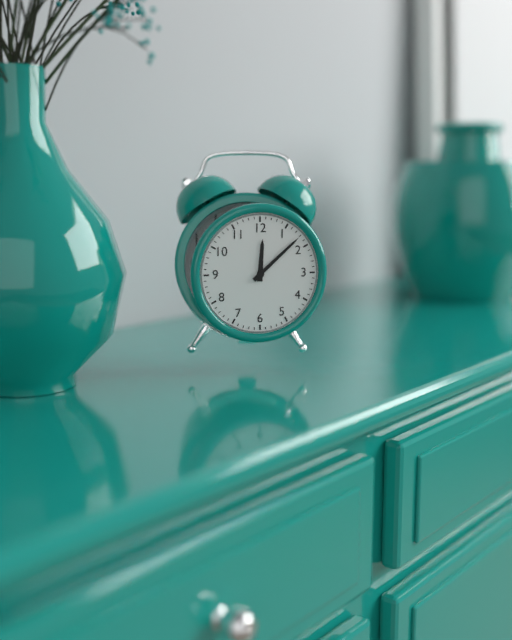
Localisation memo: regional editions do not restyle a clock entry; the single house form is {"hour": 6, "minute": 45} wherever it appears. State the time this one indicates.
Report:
{"hour": 12, "minute": 8}
